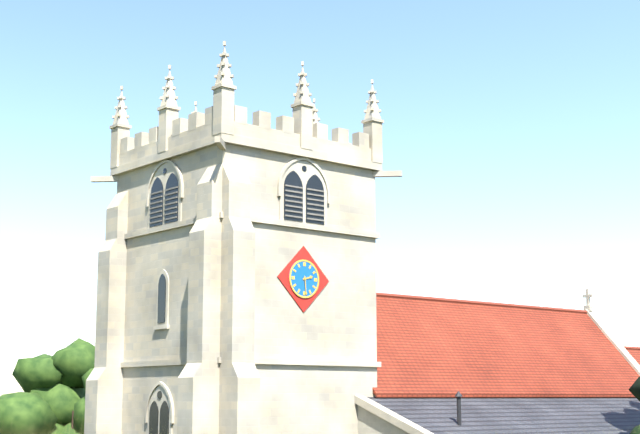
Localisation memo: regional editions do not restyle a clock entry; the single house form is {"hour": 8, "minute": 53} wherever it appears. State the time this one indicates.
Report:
{"hour": 2, "minute": 29}
